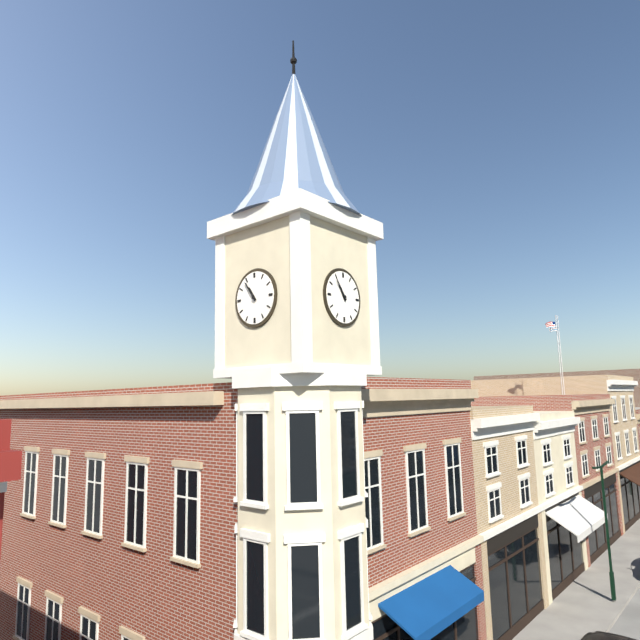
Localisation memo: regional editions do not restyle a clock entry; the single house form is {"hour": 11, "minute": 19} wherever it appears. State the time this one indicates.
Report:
{"hour": 10, "minute": 54}
